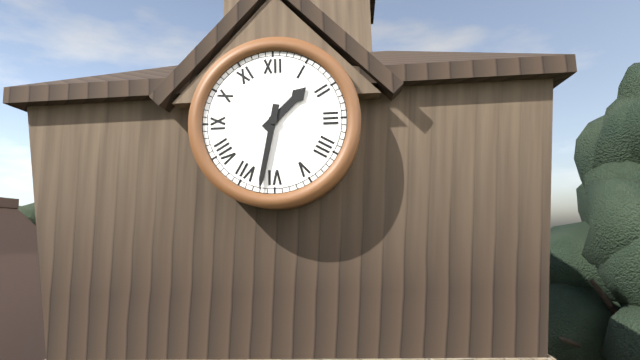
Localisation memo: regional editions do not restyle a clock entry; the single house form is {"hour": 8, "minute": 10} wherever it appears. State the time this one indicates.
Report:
{"hour": 1, "minute": 32}
